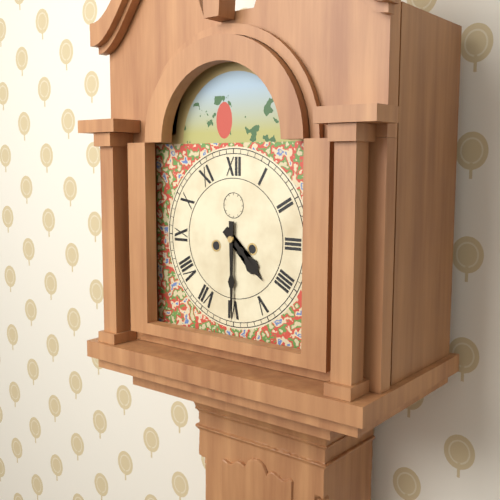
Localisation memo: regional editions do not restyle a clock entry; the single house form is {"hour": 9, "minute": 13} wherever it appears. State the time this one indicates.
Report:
{"hour": 4, "minute": 30}
